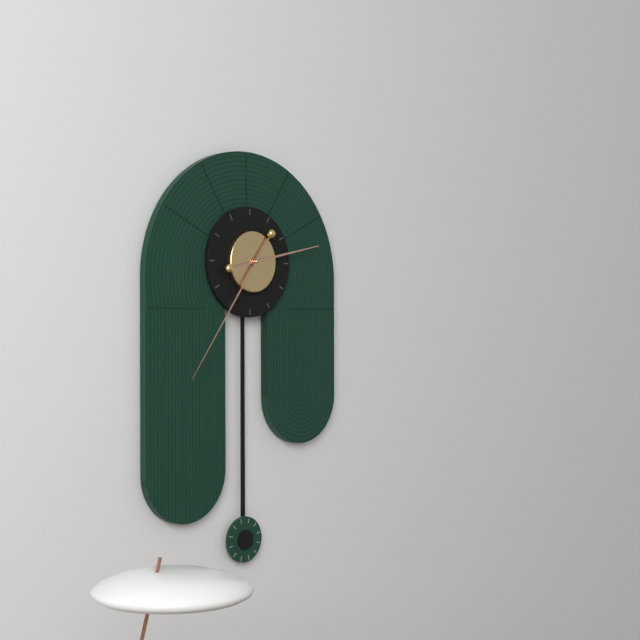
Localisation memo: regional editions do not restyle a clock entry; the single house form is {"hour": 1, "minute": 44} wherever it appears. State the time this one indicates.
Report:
{"hour": 2, "minute": 36}
